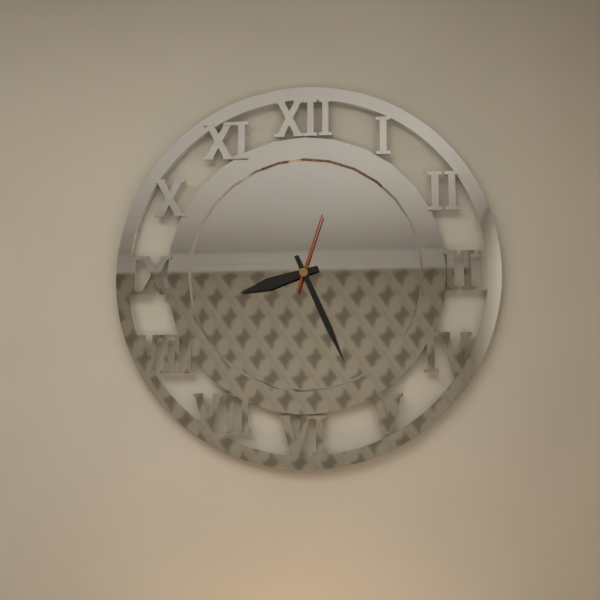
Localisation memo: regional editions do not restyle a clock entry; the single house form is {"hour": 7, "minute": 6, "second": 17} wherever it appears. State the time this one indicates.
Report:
{"hour": 8, "minute": 26, "second": 3}
